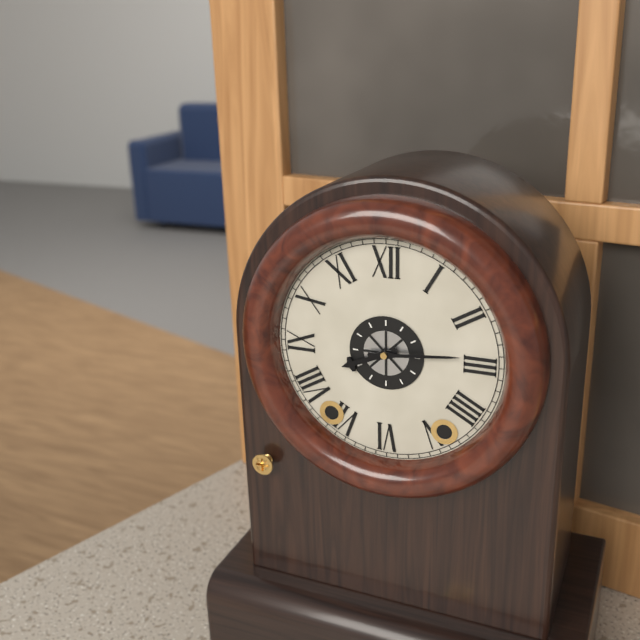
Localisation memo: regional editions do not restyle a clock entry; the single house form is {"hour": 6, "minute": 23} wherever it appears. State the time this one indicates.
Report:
{"hour": 8, "minute": 14}
